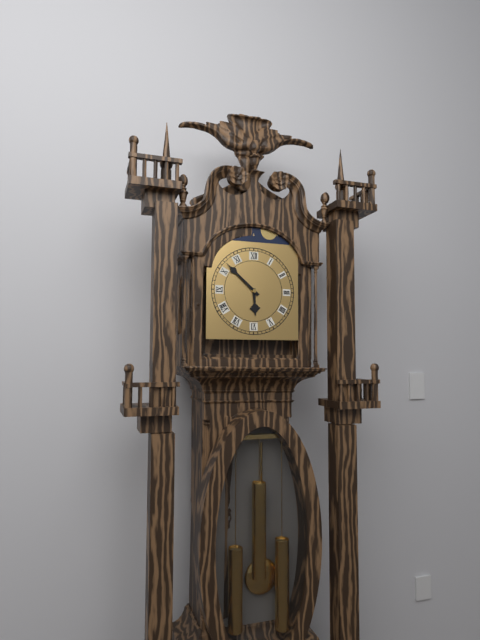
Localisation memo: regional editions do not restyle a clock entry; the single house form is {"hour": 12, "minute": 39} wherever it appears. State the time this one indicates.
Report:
{"hour": 5, "minute": 52}
